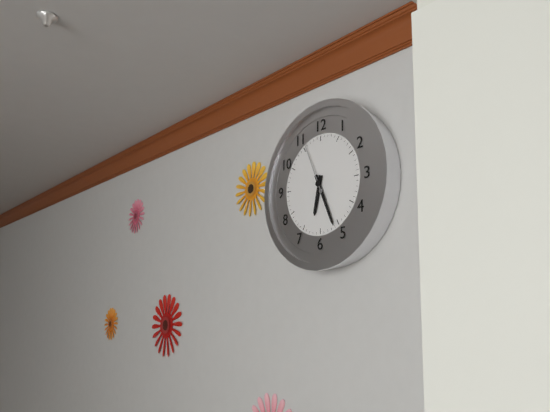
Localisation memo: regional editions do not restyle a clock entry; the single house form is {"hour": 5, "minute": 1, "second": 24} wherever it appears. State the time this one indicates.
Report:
{"hour": 6, "minute": 26, "second": 56}
